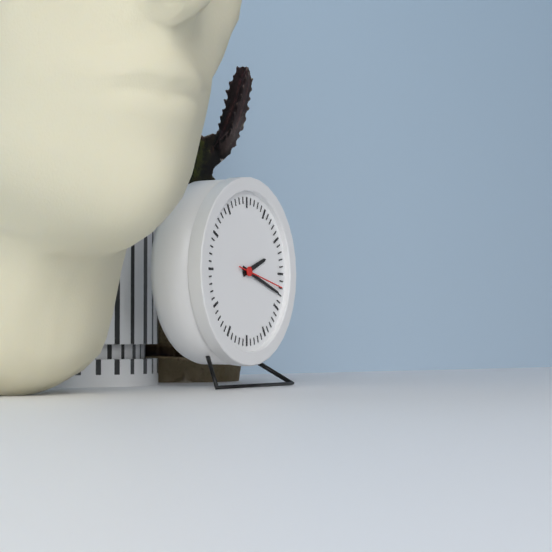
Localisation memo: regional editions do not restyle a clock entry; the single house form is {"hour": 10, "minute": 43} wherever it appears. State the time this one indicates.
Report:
{"hour": 2, "minute": 18}
